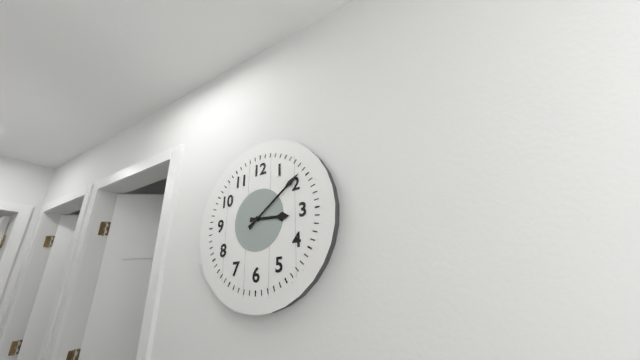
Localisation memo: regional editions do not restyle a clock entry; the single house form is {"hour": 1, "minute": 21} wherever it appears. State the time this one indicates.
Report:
{"hour": 3, "minute": 9}
